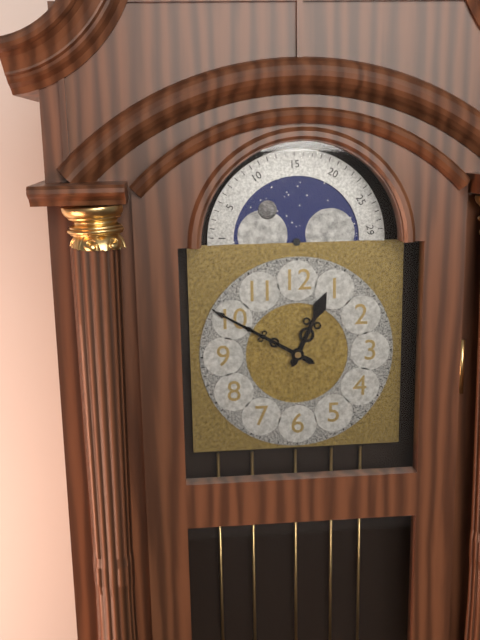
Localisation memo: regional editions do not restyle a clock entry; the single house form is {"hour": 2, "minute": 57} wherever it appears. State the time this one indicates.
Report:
{"hour": 12, "minute": 50}
